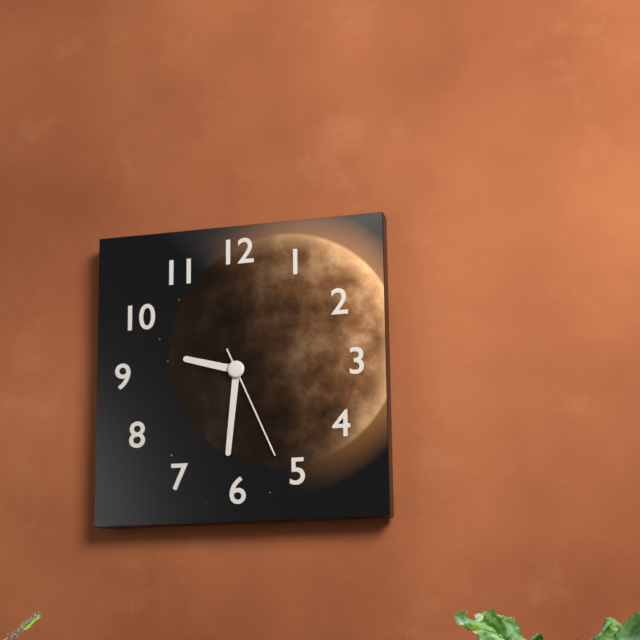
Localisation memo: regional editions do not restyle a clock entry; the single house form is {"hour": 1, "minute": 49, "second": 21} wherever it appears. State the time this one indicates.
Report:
{"hour": 9, "minute": 31, "second": 26}
